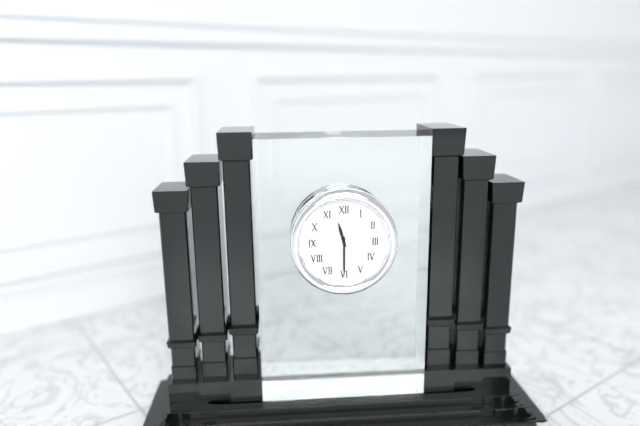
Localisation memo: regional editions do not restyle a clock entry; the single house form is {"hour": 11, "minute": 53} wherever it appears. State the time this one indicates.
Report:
{"hour": 11, "minute": 30}
